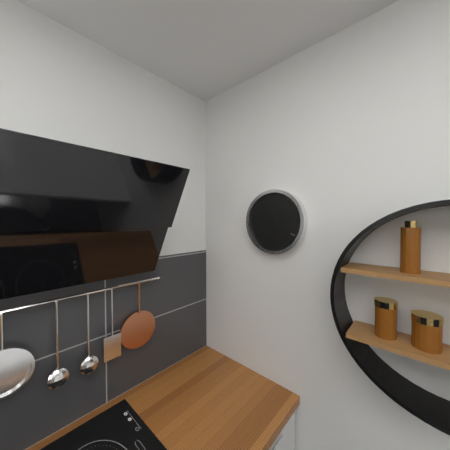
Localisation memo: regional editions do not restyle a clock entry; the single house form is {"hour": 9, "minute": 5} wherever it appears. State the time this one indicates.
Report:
{"hour": 5, "minute": 55}
